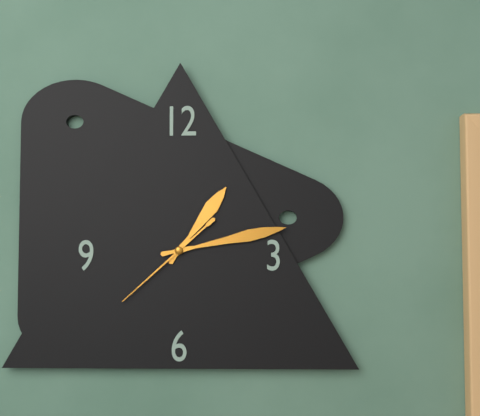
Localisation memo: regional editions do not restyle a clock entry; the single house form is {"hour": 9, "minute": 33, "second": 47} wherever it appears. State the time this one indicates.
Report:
{"hour": 1, "minute": 13, "second": 38}
